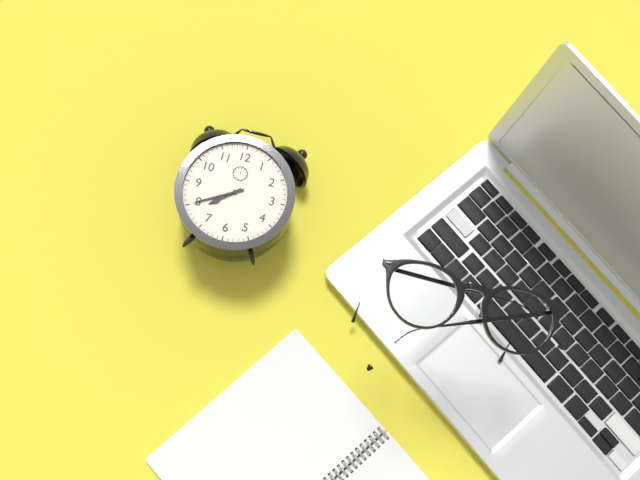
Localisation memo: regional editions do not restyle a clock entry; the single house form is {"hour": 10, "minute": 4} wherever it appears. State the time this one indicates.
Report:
{"hour": 7, "minute": 40}
